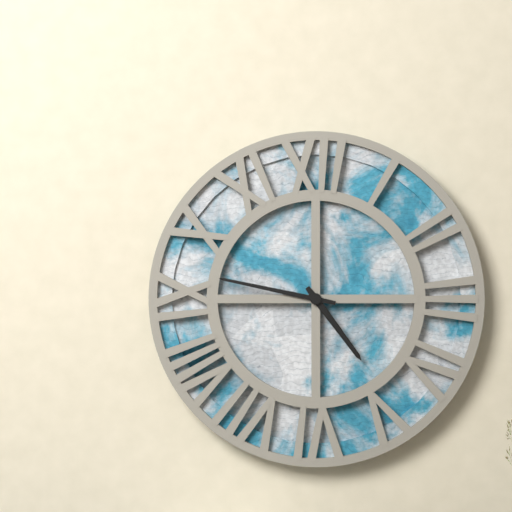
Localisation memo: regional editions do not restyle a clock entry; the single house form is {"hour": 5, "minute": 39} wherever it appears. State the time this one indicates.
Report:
{"hour": 4, "minute": 47}
